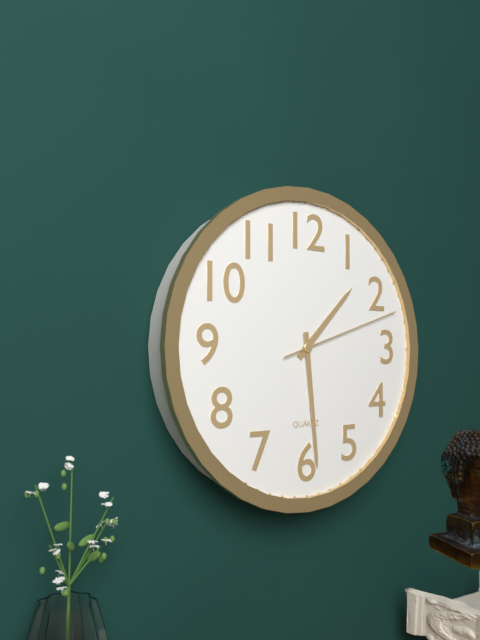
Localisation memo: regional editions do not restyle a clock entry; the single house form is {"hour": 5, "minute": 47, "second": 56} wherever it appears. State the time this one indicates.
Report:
{"hour": 1, "minute": 29, "second": 12}
